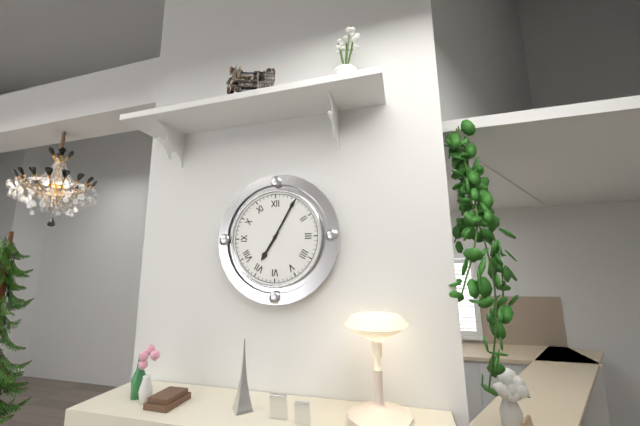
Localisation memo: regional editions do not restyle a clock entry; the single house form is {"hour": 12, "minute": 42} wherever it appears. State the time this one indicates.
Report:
{"hour": 7, "minute": 5}
